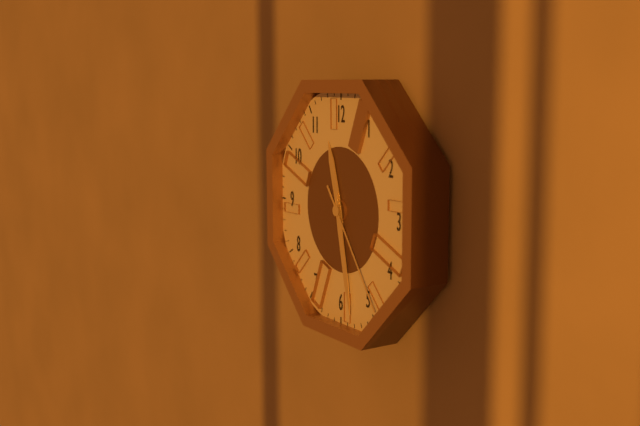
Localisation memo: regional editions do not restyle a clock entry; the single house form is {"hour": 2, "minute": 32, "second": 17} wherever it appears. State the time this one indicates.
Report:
{"hour": 11, "minute": 28, "second": 24}
